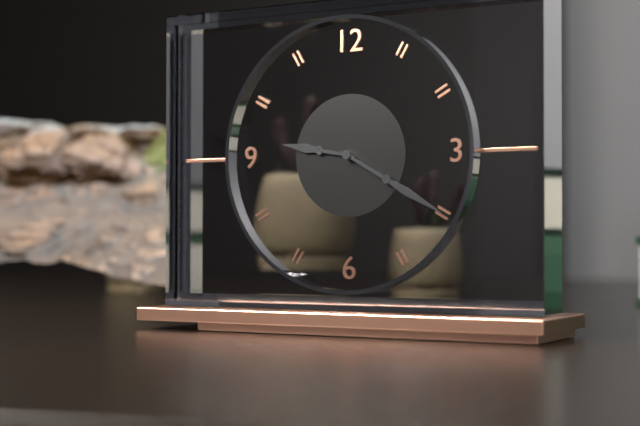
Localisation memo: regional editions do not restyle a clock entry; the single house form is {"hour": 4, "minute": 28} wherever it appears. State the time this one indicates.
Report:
{"hour": 9, "minute": 20}
